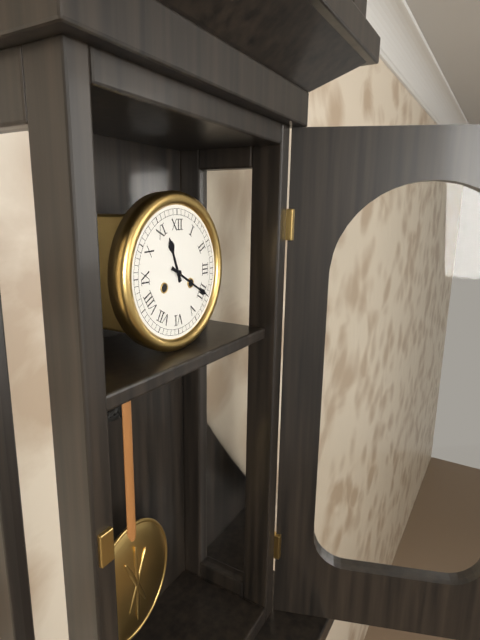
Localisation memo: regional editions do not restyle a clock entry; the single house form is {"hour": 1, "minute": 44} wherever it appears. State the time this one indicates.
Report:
{"hour": 11, "minute": 20}
